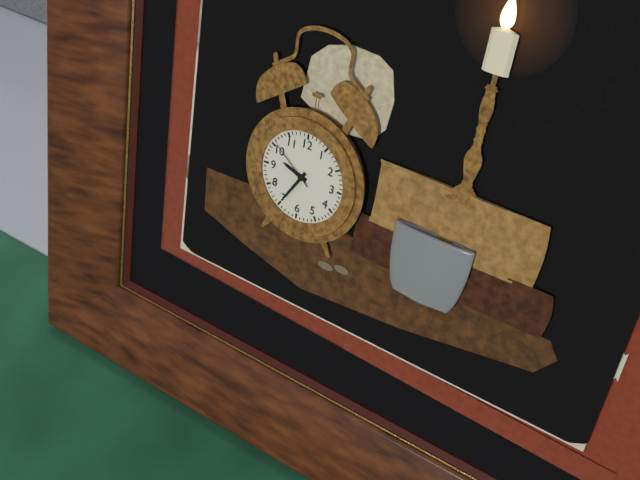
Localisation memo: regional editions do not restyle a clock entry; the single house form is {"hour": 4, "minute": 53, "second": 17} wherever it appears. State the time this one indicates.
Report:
{"hour": 9, "minute": 35, "second": 51}
